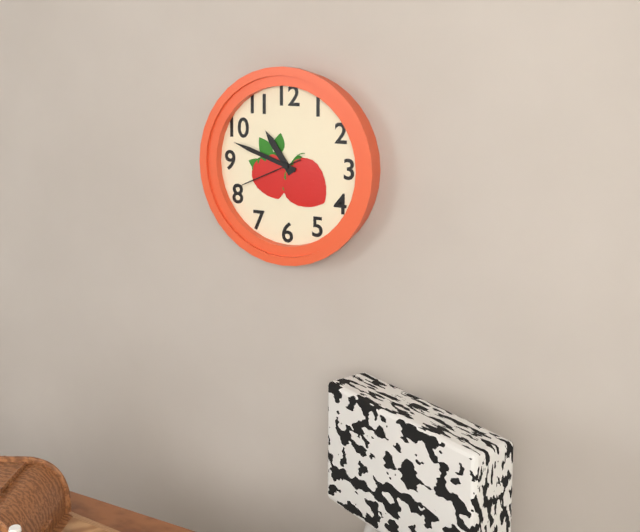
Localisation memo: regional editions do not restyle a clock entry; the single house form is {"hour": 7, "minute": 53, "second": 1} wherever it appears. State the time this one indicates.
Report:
{"hour": 10, "minute": 48, "second": 41}
